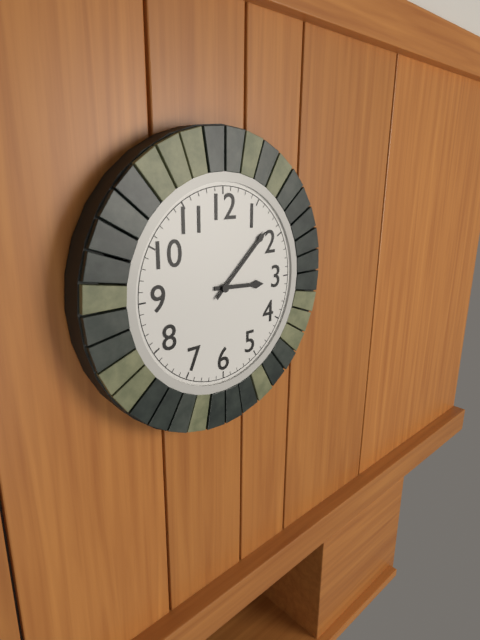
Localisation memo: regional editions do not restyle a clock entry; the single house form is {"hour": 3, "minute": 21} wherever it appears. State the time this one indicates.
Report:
{"hour": 3, "minute": 8}
